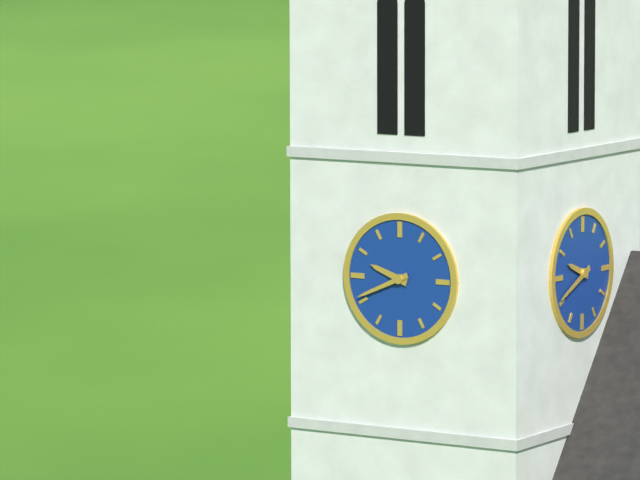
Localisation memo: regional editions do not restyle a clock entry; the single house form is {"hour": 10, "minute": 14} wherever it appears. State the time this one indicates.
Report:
{"hour": 9, "minute": 41}
